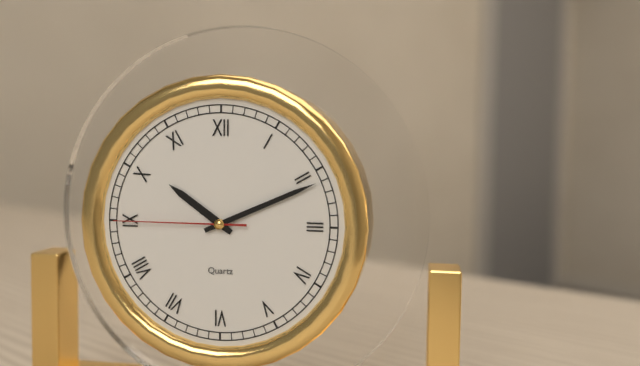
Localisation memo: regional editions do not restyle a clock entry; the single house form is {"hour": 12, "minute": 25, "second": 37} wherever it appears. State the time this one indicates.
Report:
{"hour": 10, "minute": 11, "second": 45}
